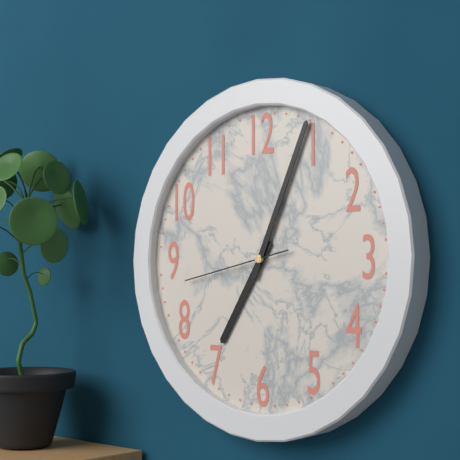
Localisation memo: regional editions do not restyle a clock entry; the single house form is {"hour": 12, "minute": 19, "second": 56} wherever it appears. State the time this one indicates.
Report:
{"hour": 7, "minute": 4, "second": 43}
